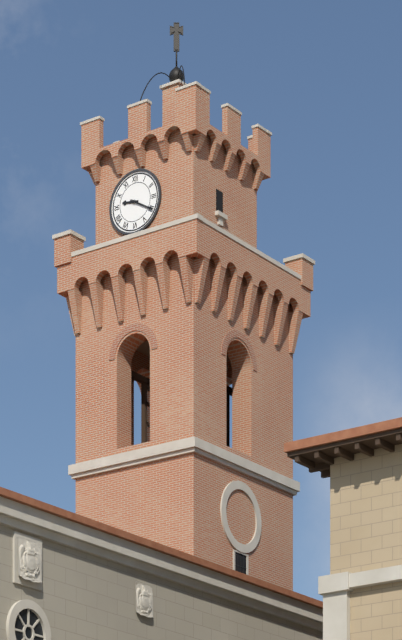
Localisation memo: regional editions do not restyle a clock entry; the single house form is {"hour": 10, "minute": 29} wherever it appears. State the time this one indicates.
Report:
{"hour": 9, "minute": 20}
